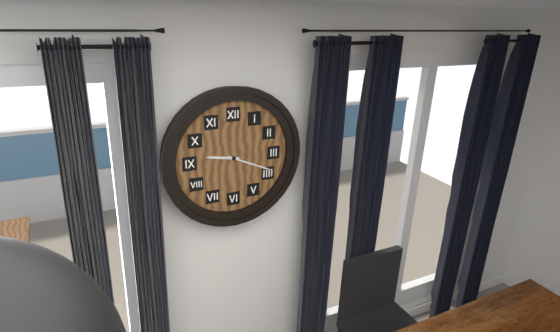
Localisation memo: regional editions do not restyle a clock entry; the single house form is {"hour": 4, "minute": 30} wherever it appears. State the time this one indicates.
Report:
{"hour": 9, "minute": 19}
